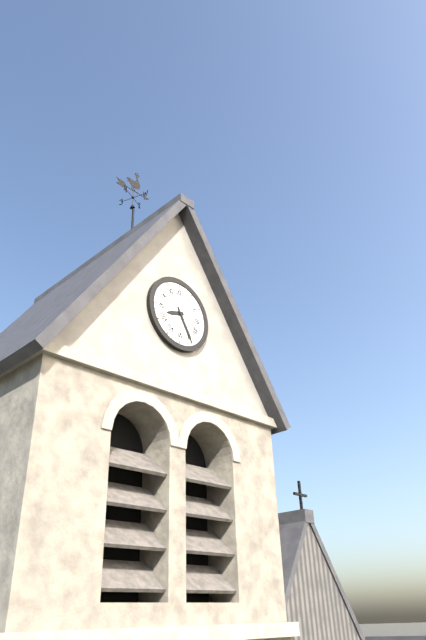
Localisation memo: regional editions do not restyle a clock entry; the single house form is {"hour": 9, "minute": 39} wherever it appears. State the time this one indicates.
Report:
{"hour": 8, "minute": 25}
